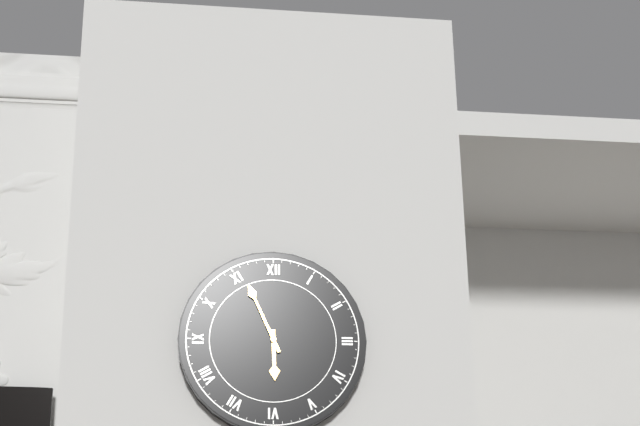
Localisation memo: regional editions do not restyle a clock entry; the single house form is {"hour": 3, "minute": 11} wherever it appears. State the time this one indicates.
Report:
{"hour": 5, "minute": 56}
